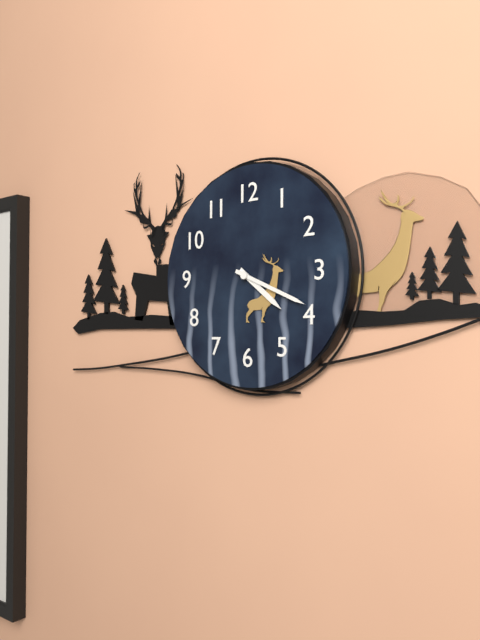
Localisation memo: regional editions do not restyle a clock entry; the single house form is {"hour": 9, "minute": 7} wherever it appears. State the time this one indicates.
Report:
{"hour": 4, "minute": 19}
